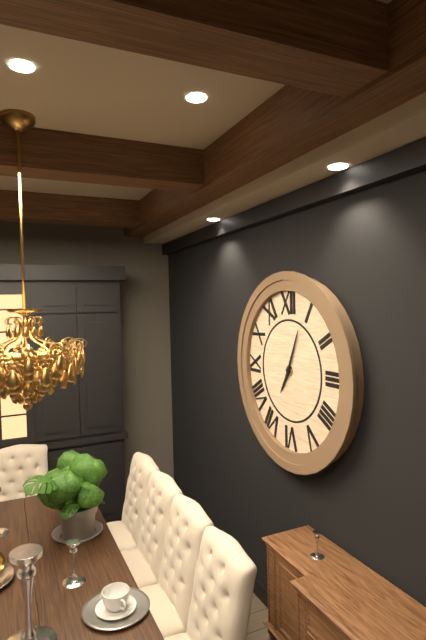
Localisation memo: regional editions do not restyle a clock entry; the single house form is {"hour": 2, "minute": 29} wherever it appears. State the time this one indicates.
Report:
{"hour": 7, "minute": 4}
